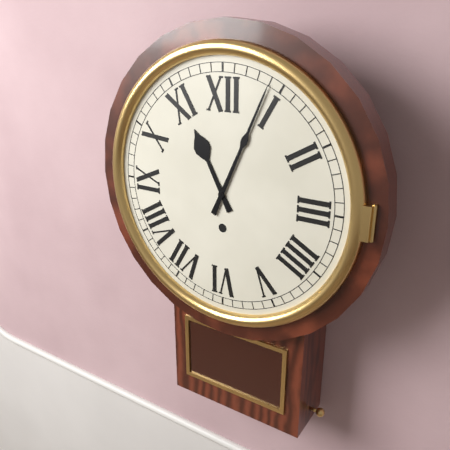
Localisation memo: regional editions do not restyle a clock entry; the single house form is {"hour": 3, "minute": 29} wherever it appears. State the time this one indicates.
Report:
{"hour": 11, "minute": 4}
